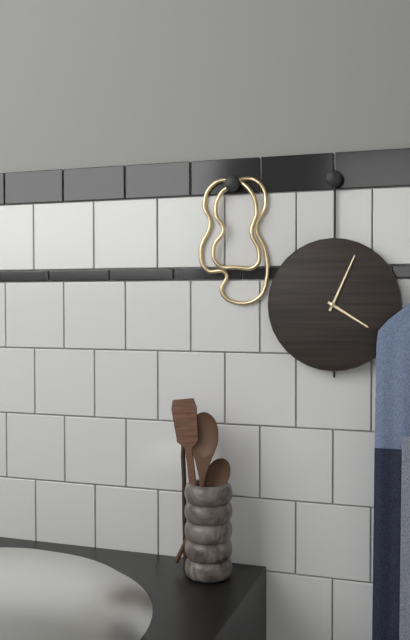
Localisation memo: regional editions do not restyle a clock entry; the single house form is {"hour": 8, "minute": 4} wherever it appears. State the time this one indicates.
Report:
{"hour": 4, "minute": 4}
